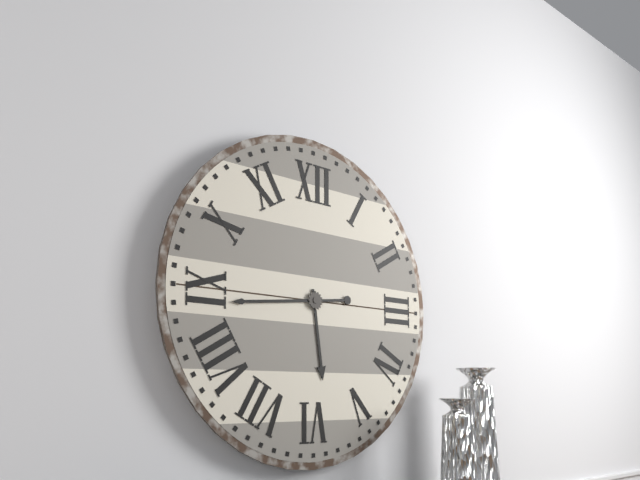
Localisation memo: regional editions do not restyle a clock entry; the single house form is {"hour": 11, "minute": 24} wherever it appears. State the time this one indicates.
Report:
{"hour": 5, "minute": 44}
